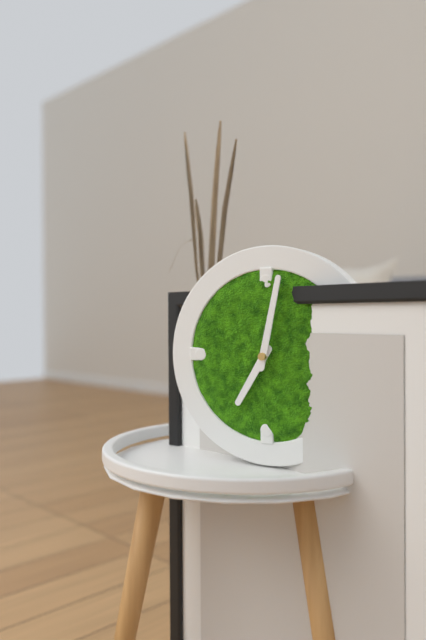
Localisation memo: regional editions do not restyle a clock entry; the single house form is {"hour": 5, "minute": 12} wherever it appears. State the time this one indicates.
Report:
{"hour": 7, "minute": 2}
